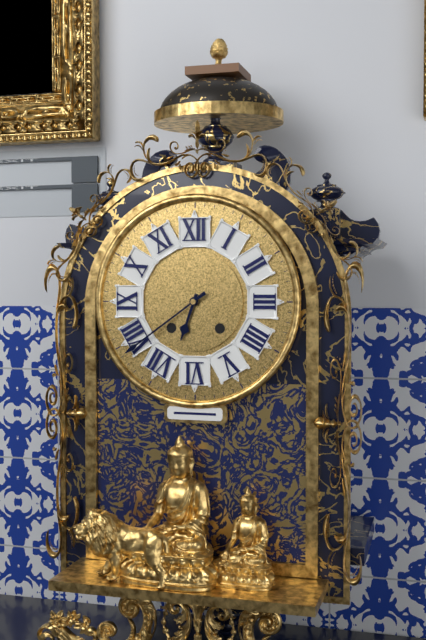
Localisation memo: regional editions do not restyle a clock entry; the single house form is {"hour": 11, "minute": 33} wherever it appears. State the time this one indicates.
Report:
{"hour": 6, "minute": 39}
